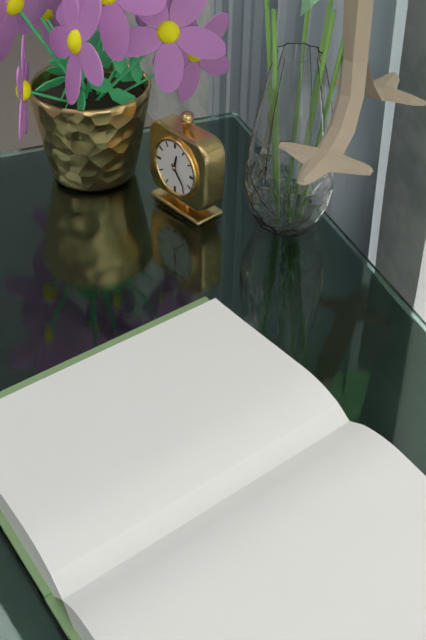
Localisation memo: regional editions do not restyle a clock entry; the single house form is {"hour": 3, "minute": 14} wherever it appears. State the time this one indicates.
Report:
{"hour": 12, "minute": 23}
